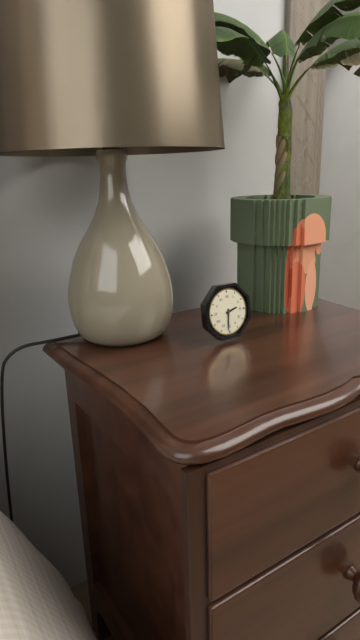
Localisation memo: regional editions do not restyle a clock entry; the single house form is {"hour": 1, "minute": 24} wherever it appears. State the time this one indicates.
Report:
{"hour": 2, "minute": 31}
